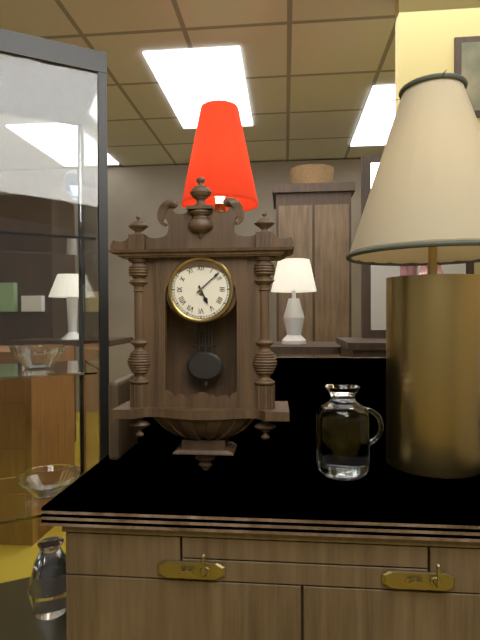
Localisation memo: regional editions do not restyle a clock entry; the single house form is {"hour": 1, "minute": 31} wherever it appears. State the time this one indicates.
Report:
{"hour": 5, "minute": 8}
